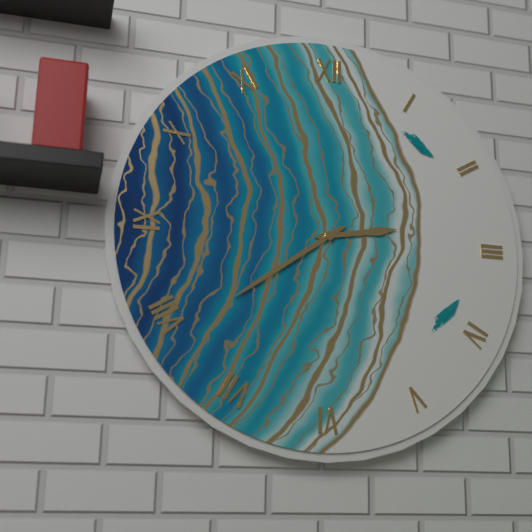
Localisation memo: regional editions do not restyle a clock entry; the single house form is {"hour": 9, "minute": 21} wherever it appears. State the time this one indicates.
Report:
{"hour": 2, "minute": 39}
